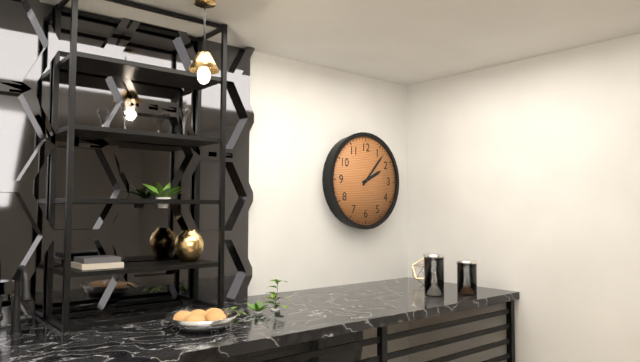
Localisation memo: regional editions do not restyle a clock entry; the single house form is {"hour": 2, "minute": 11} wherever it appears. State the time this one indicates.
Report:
{"hour": 2, "minute": 7}
